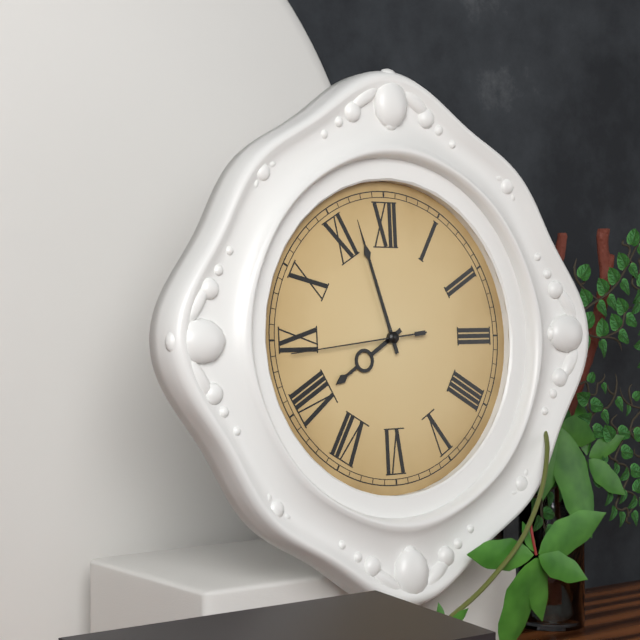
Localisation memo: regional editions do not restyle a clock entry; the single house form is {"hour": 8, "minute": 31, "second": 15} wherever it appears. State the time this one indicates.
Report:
{"hour": 7, "minute": 57, "second": 44}
